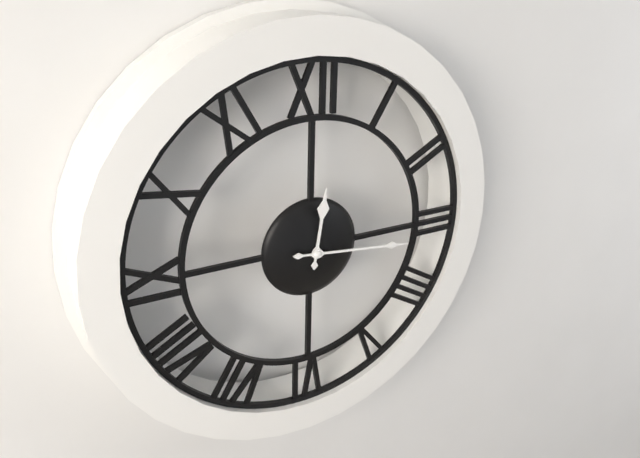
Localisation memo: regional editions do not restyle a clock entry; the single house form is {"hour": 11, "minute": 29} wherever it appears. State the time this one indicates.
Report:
{"hour": 12, "minute": 16}
